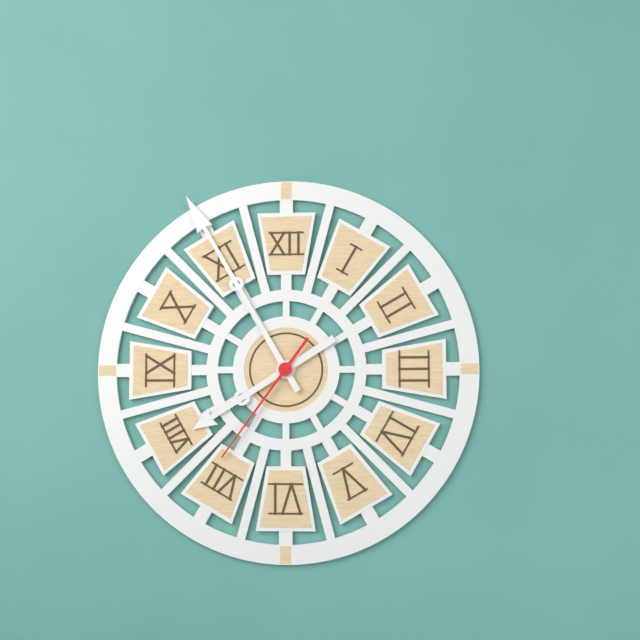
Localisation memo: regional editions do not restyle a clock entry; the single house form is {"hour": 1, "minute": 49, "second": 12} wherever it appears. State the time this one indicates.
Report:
{"hour": 7, "minute": 55, "second": 36}
